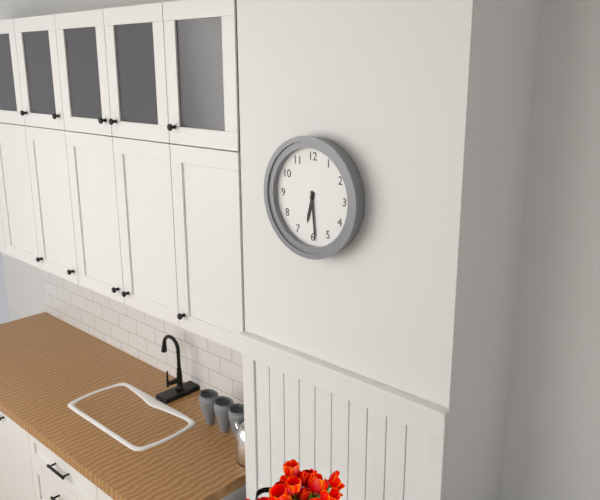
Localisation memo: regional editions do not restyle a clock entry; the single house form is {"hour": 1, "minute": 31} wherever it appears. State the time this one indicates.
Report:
{"hour": 6, "minute": 29}
